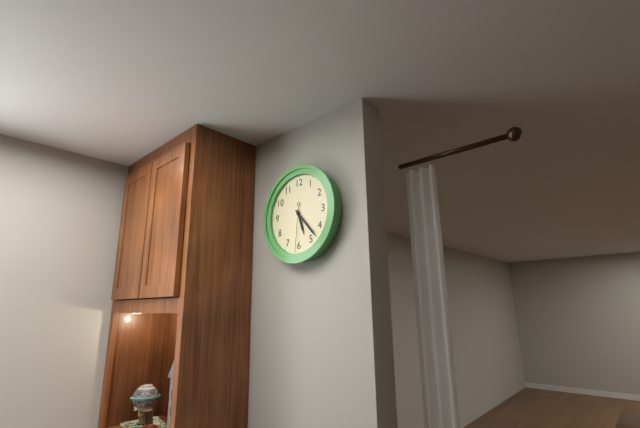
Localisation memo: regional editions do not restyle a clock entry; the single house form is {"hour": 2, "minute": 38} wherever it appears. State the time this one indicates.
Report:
{"hour": 5, "minute": 23}
